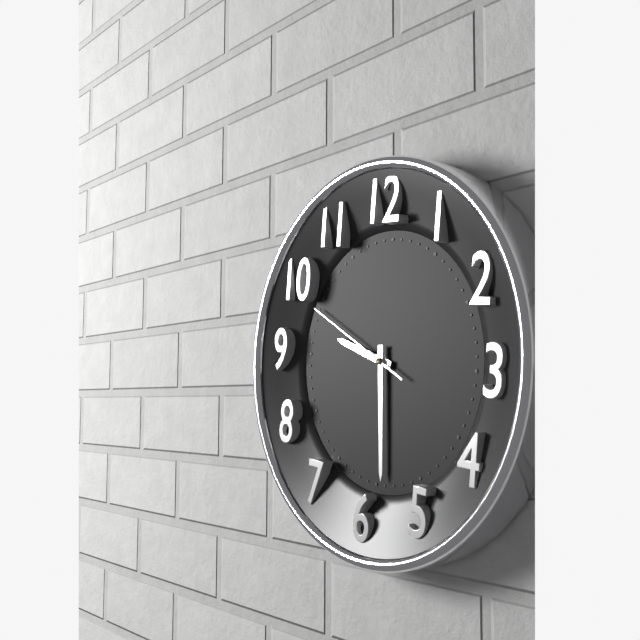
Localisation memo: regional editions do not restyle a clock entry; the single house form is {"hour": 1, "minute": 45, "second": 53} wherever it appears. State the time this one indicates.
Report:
{"hour": 9, "minute": 29, "second": 49}
